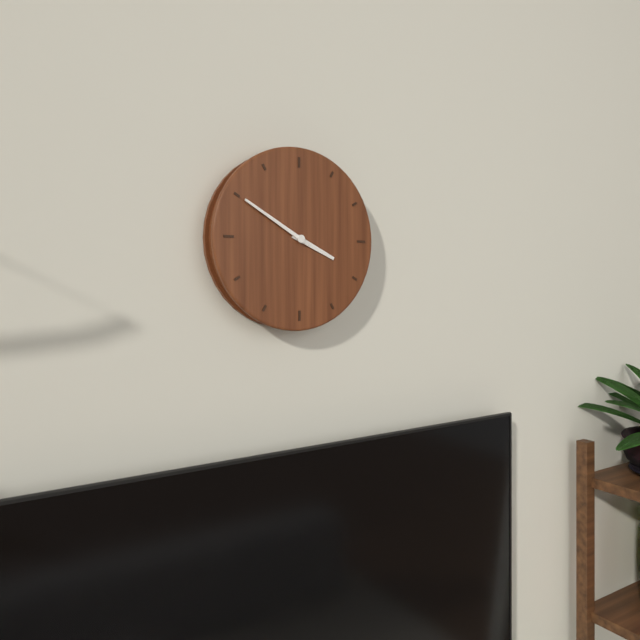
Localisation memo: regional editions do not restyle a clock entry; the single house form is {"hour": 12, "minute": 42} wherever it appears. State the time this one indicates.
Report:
{"hour": 3, "minute": 50}
